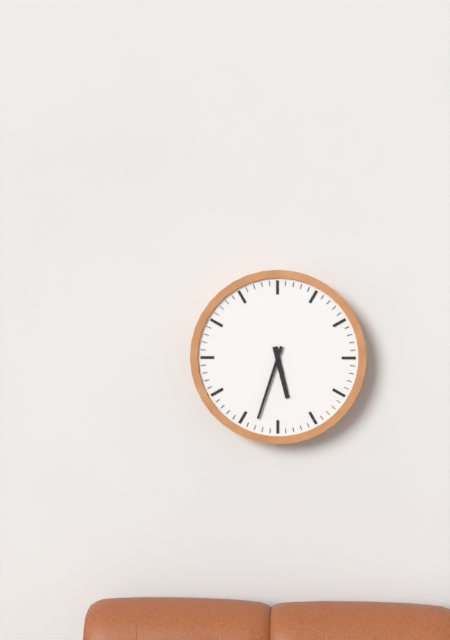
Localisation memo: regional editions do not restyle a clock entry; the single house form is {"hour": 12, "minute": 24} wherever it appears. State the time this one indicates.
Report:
{"hour": 5, "minute": 33}
